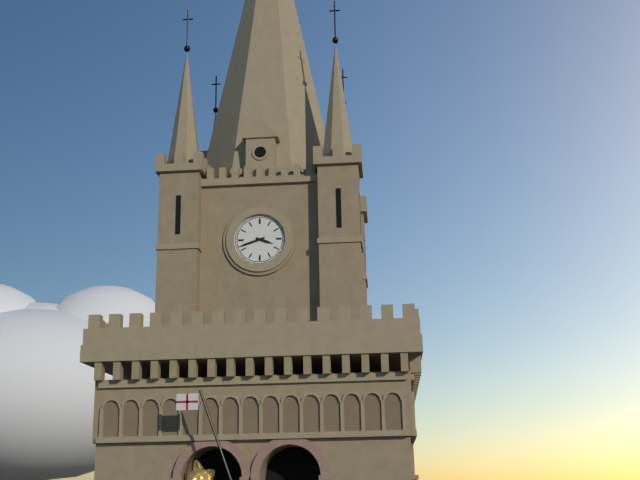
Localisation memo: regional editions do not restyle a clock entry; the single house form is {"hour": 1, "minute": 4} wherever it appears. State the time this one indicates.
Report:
{"hour": 3, "minute": 42}
